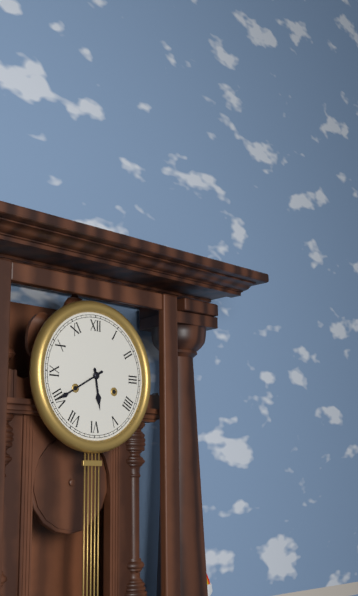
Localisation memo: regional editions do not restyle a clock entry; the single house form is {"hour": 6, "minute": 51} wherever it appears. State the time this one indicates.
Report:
{"hour": 5, "minute": 40}
